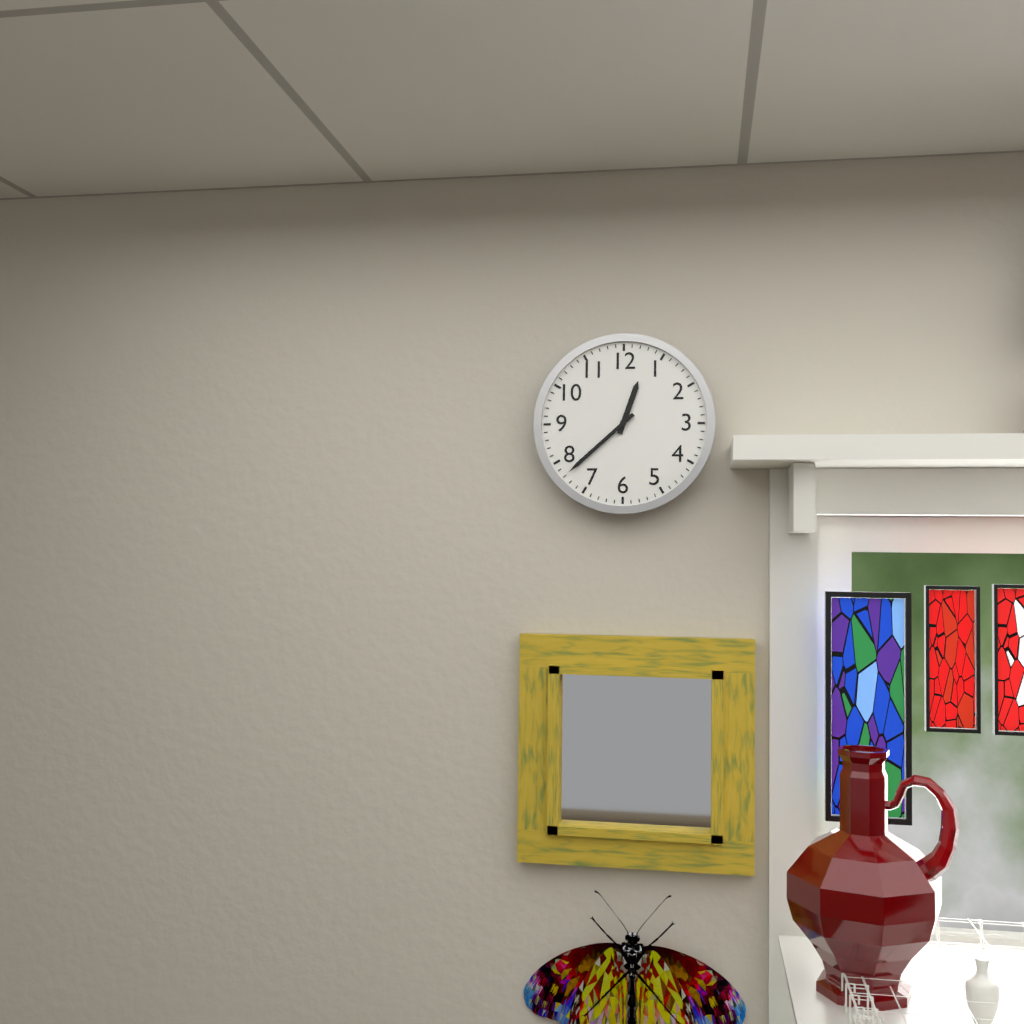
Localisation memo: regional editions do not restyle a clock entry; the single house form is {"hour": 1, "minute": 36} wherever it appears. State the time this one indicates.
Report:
{"hour": 12, "minute": 38}
